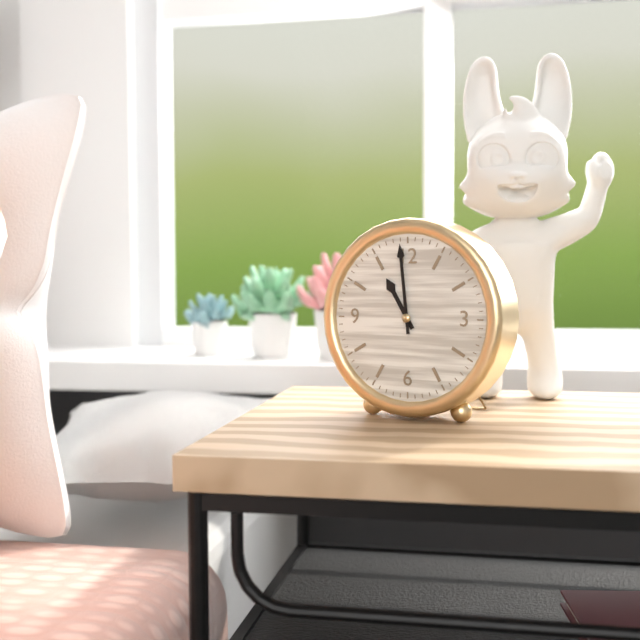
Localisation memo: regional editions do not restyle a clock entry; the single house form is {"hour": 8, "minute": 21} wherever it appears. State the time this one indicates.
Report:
{"hour": 10, "minute": 59}
